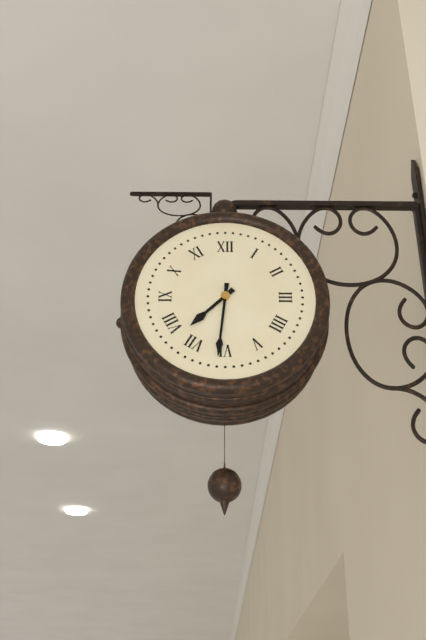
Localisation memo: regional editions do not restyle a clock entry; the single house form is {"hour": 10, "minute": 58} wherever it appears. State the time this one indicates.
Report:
{"hour": 7, "minute": 31}
